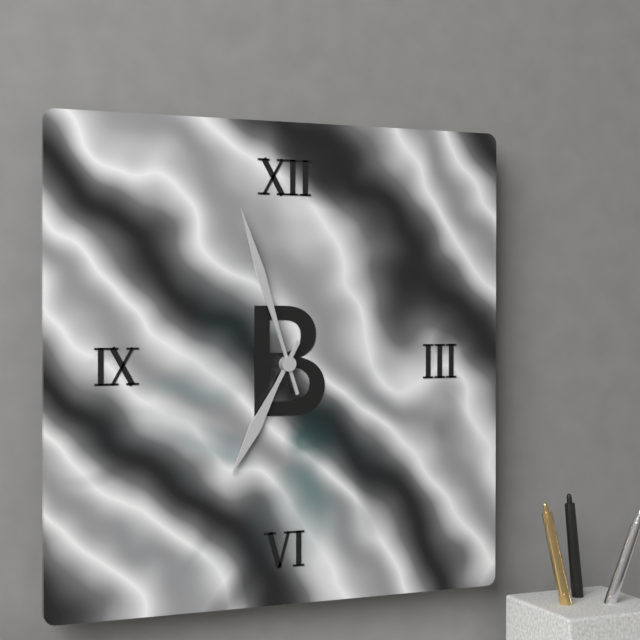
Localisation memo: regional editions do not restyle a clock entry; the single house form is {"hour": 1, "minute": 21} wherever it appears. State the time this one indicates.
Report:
{"hour": 6, "minute": 57}
